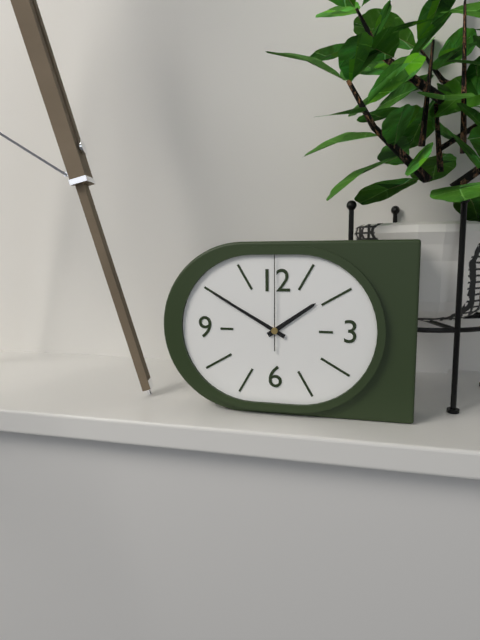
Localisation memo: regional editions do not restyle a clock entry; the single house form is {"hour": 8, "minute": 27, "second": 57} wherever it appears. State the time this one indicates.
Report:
{"hour": 1, "minute": 50, "second": 0}
